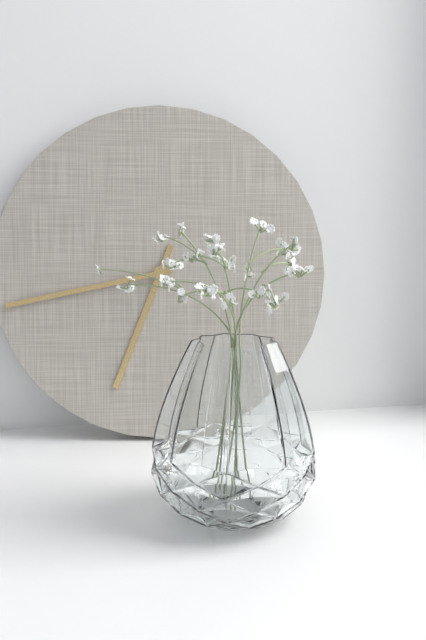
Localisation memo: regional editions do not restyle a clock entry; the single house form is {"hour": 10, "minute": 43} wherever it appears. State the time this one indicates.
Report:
{"hour": 6, "minute": 43}
